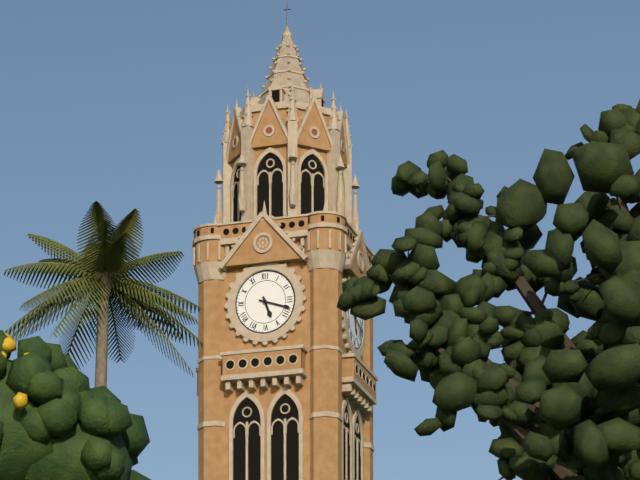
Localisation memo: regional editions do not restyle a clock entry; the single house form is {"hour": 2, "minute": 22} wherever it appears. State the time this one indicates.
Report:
{"hour": 5, "minute": 18}
